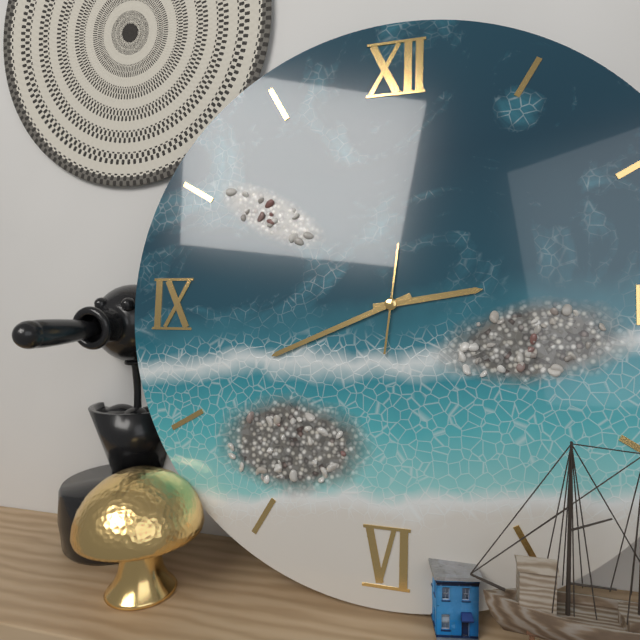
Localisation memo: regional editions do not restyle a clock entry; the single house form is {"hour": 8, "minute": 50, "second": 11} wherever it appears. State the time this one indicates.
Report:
{"hour": 2, "minute": 41, "second": 1}
